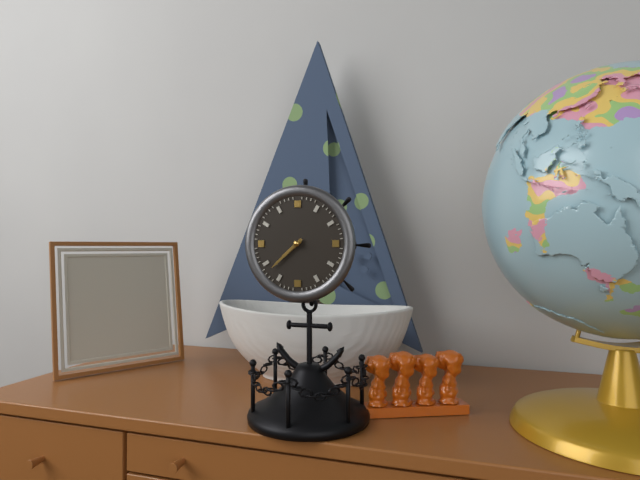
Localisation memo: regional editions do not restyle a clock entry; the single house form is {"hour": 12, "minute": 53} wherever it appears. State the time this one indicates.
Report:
{"hour": 7, "minute": 38}
